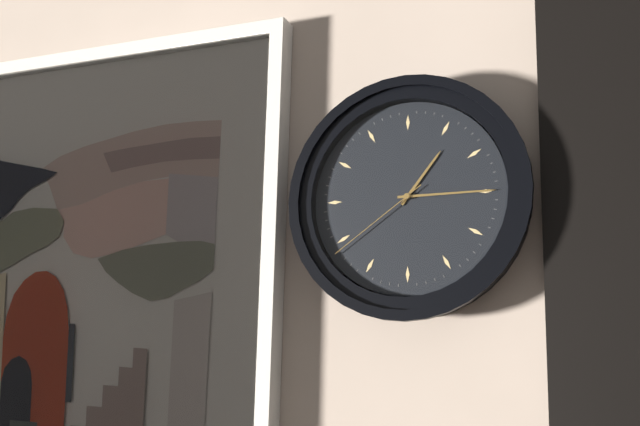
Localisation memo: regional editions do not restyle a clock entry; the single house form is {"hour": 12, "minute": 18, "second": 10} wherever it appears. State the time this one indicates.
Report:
{"hour": 1, "minute": 15, "second": 39}
